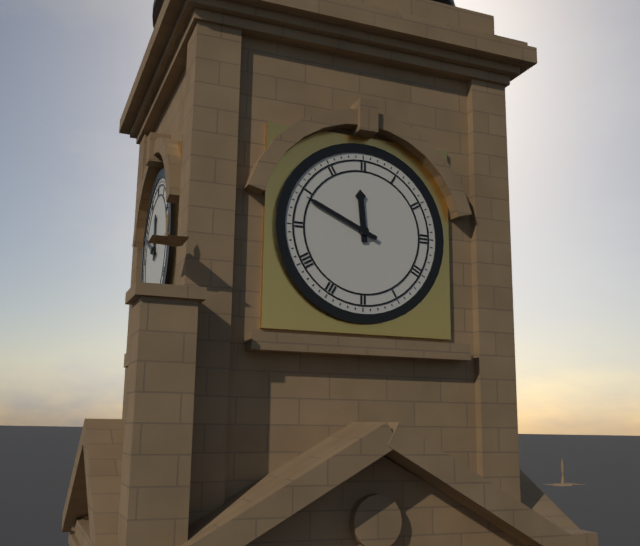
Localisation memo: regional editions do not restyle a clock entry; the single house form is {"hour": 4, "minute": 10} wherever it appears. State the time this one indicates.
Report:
{"hour": 11, "minute": 49}
